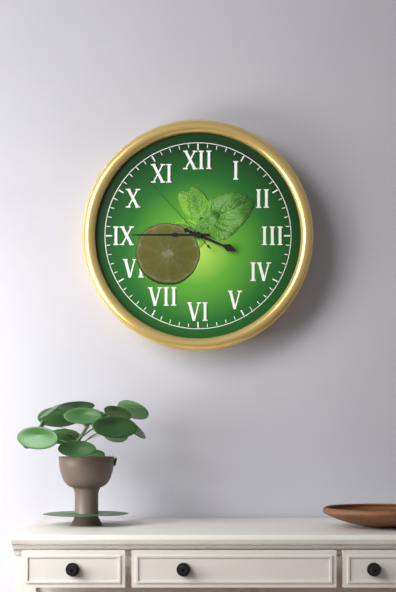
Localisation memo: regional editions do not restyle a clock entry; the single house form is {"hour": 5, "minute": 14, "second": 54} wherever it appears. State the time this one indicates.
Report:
{"hour": 3, "minute": 45, "second": 53}
